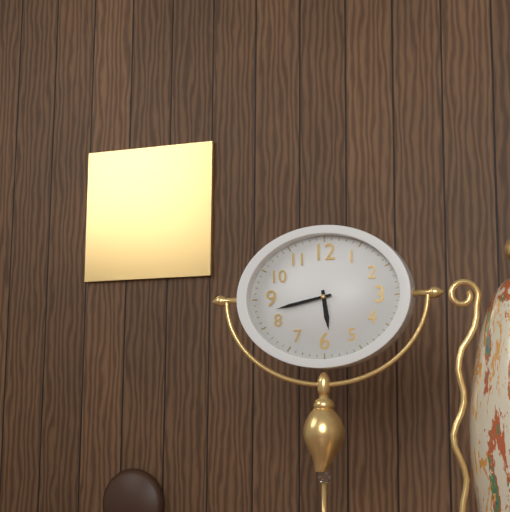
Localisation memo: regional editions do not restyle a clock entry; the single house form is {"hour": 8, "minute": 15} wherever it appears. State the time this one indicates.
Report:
{"hour": 5, "minute": 43}
